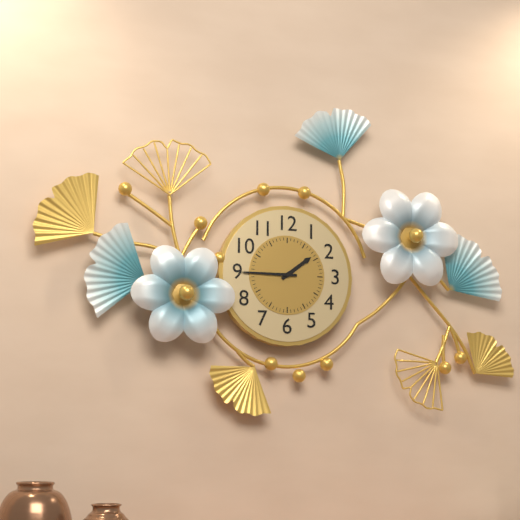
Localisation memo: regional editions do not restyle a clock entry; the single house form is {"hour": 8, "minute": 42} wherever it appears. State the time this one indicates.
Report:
{"hour": 1, "minute": 45}
